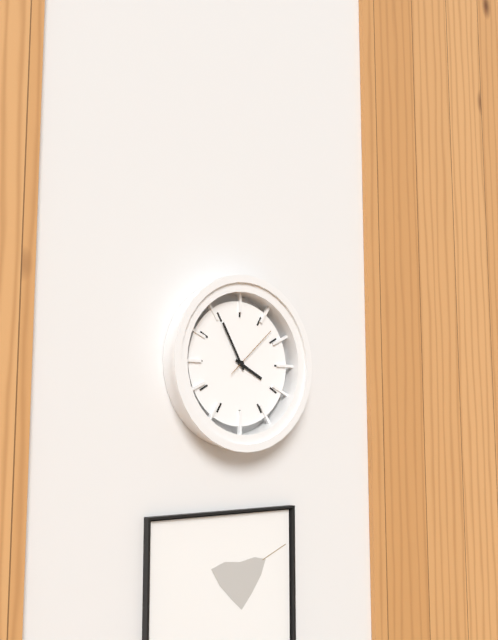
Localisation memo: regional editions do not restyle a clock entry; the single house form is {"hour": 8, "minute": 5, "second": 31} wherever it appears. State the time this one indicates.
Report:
{"hour": 3, "minute": 55, "second": 8}
